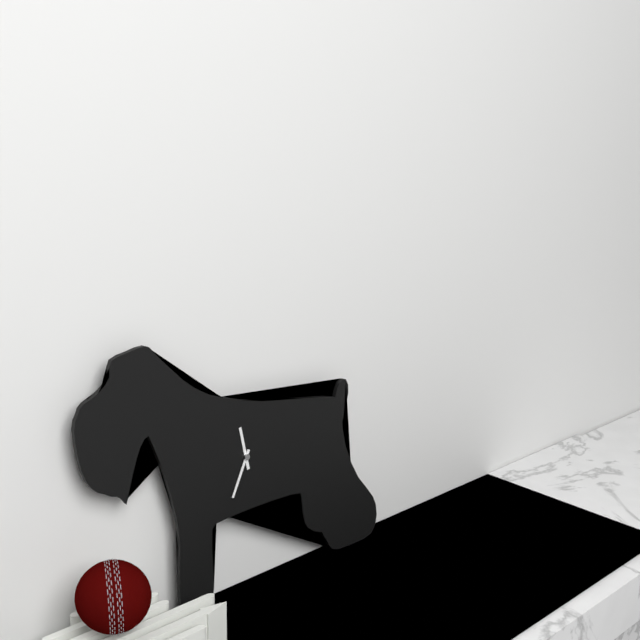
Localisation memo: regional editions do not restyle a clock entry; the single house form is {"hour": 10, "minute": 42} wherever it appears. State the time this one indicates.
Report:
{"hour": 11, "minute": 34}
